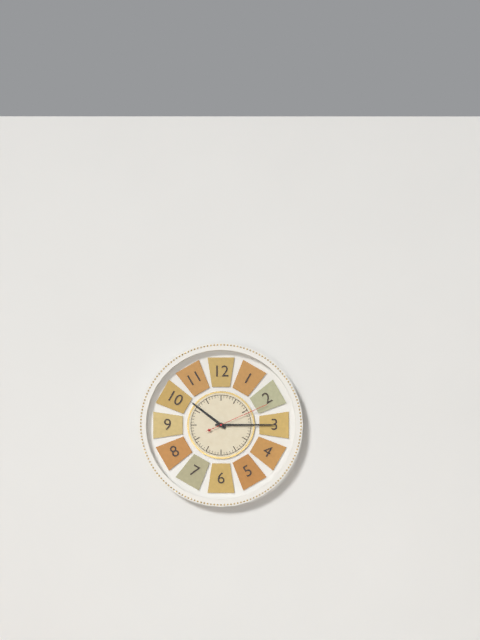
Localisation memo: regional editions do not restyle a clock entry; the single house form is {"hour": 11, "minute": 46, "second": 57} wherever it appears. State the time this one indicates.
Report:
{"hour": 10, "minute": 15, "second": 11}
